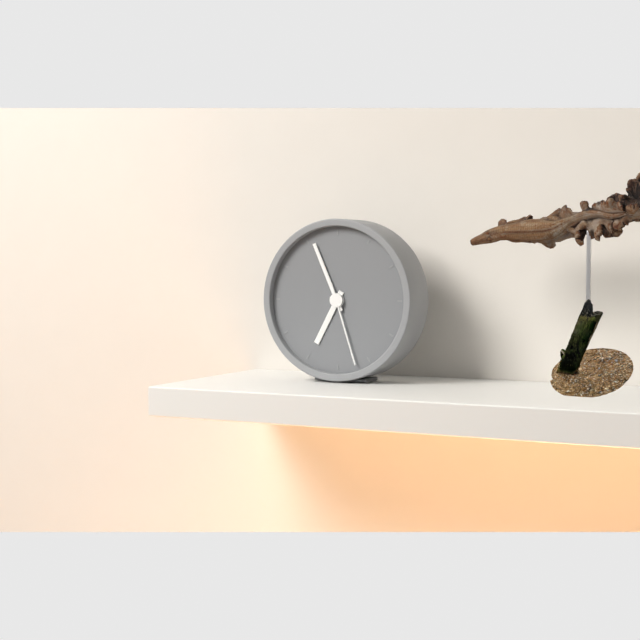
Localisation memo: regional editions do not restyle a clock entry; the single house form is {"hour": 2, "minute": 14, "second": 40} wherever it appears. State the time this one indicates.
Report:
{"hour": 6, "minute": 56, "second": 27}
